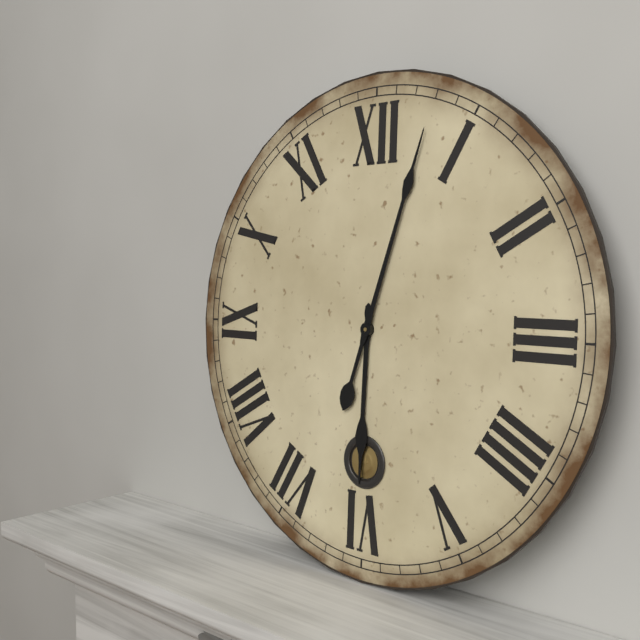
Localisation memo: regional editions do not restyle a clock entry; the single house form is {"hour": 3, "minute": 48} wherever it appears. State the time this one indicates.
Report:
{"hour": 6, "minute": 3}
